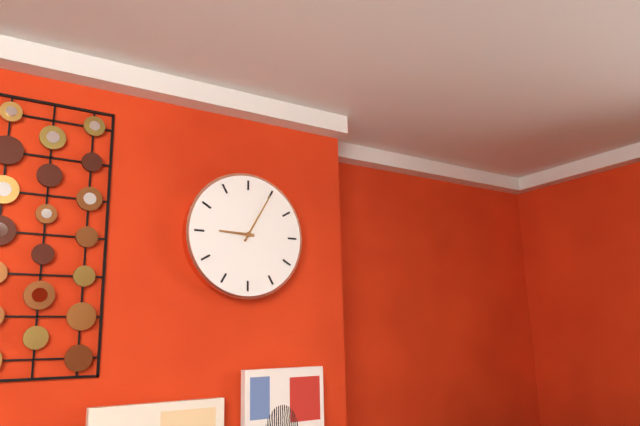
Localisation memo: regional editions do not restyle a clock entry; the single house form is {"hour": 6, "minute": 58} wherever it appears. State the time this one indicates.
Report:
{"hour": 9, "minute": 5}
